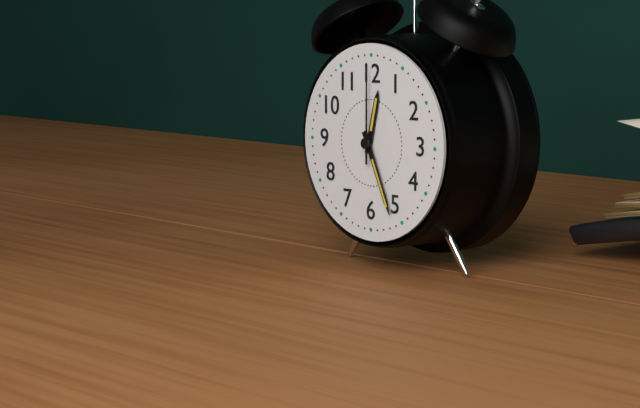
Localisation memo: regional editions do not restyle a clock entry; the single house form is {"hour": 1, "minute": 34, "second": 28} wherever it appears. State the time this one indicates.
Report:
{"hour": 12, "minute": 26, "second": 0}
